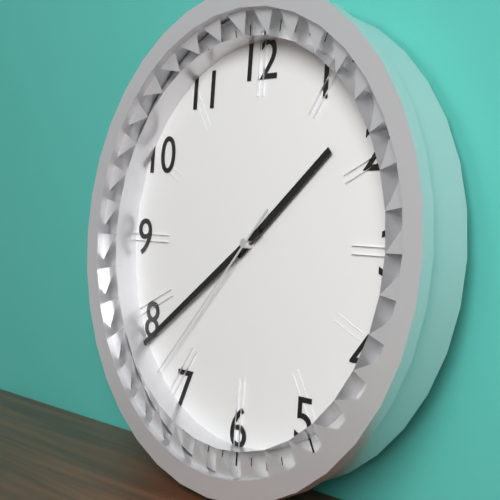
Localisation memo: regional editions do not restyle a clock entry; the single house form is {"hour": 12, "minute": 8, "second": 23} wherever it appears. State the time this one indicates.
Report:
{"hour": 1, "minute": 39, "second": 37}
